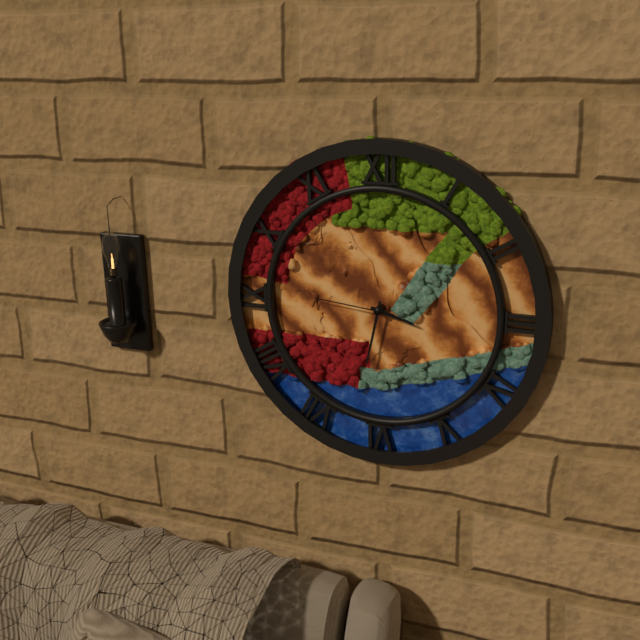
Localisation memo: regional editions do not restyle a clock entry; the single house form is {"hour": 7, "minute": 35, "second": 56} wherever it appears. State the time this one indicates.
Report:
{"hour": 3, "minute": 32, "second": 46}
